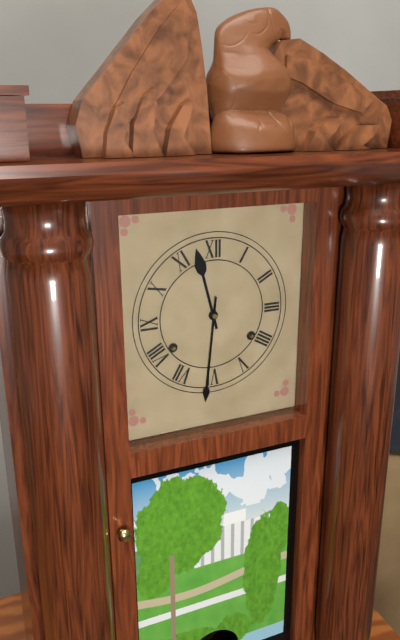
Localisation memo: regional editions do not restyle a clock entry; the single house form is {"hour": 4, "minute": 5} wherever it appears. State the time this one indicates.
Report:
{"hour": 11, "minute": 31}
